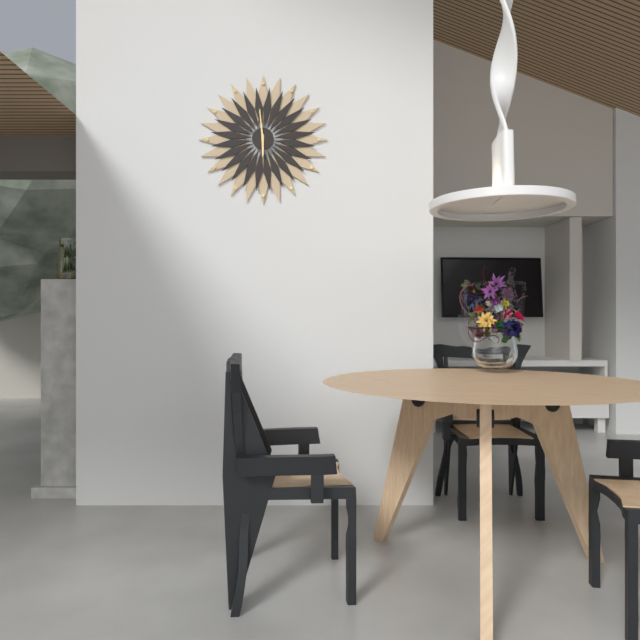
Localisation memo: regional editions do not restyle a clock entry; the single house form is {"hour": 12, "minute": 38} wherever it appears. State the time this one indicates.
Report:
{"hour": 5, "minute": 59}
